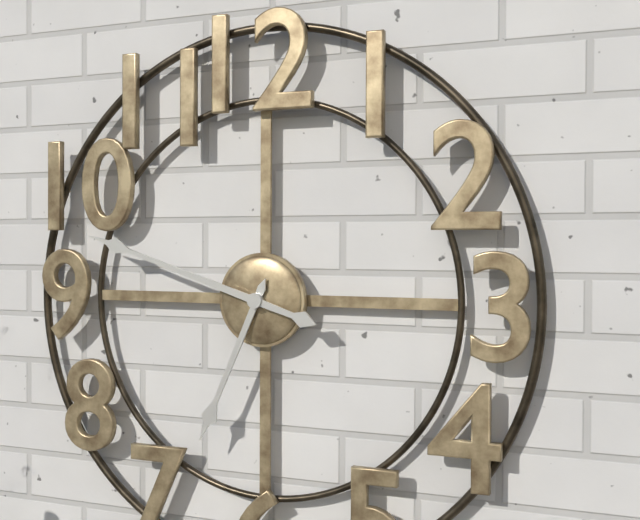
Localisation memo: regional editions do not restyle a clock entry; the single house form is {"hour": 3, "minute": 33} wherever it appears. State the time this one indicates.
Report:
{"hour": 6, "minute": 48}
